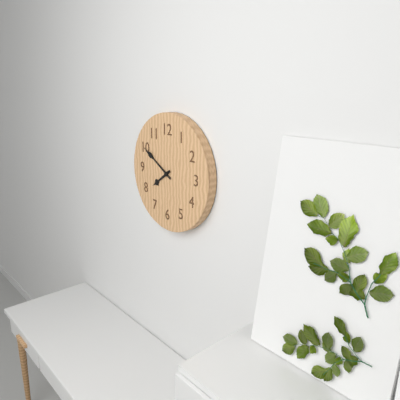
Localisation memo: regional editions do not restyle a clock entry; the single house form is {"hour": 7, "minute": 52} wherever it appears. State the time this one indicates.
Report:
{"hour": 7, "minute": 50}
